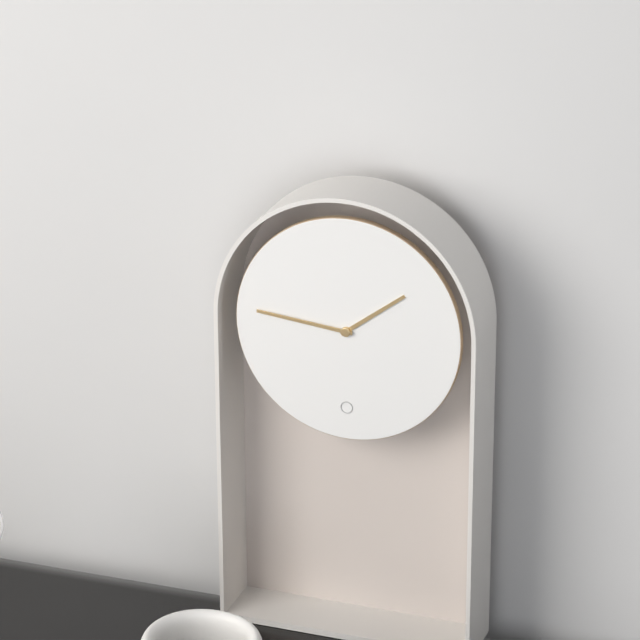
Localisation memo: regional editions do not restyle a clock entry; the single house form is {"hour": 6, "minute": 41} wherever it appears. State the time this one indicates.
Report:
{"hour": 1, "minute": 46}
